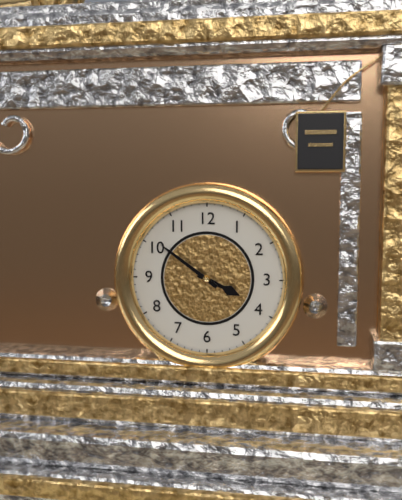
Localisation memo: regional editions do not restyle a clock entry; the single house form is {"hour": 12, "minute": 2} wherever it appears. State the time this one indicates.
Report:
{"hour": 3, "minute": 51}
